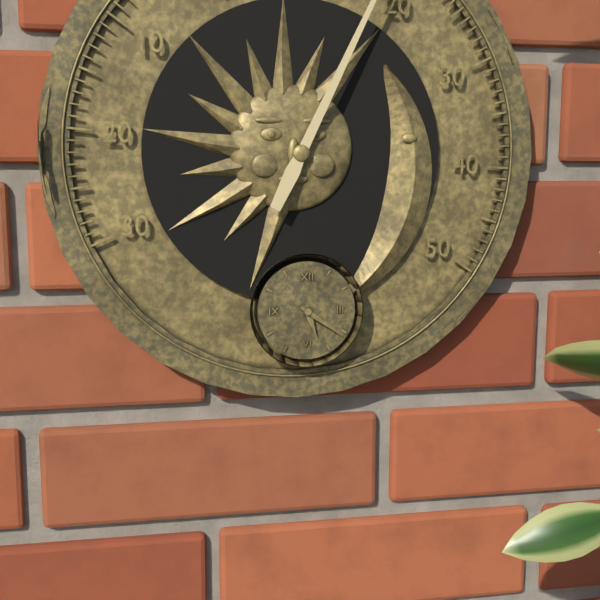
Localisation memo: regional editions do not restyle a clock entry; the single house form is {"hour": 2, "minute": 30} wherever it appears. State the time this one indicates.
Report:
{"hour": 5, "minute": 21}
